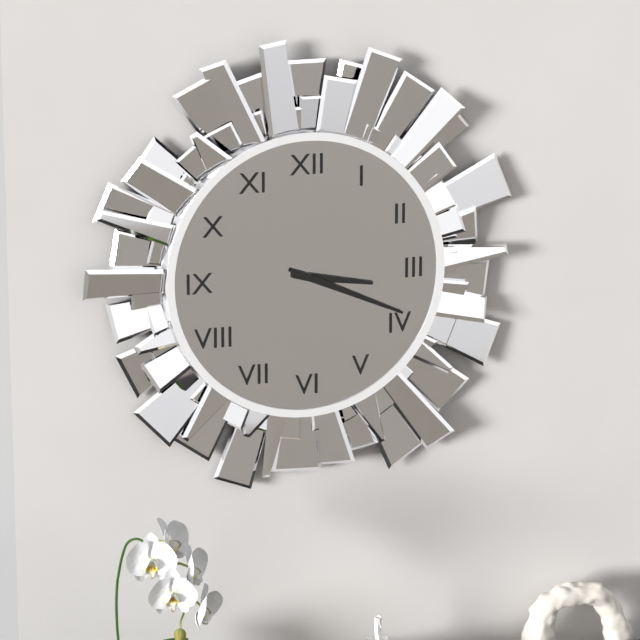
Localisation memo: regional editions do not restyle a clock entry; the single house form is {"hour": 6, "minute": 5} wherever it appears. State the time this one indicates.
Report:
{"hour": 3, "minute": 19}
